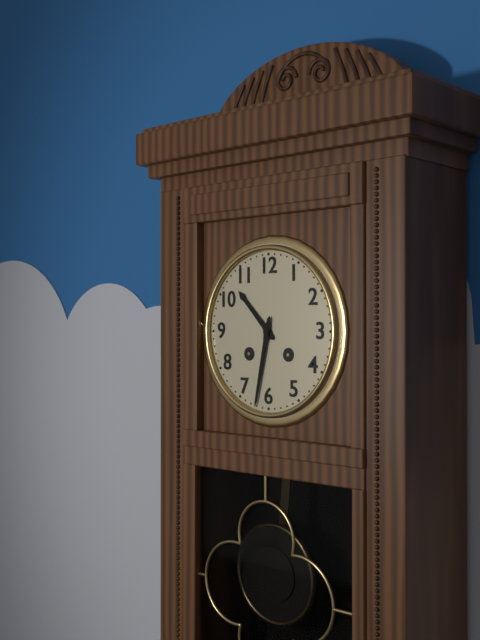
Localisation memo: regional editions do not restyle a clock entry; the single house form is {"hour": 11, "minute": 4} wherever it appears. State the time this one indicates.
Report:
{"hour": 10, "minute": 32}
